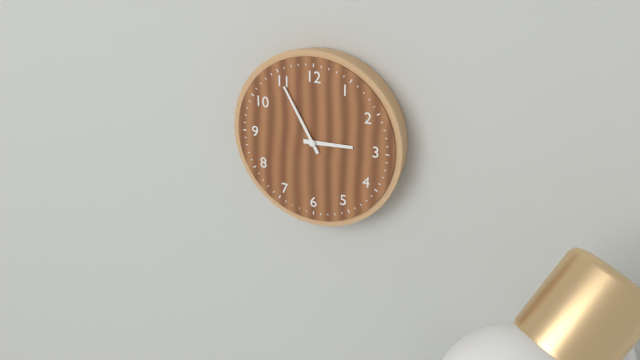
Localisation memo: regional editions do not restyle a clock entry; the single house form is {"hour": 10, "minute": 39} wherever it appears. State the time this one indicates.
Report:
{"hour": 2, "minute": 55}
